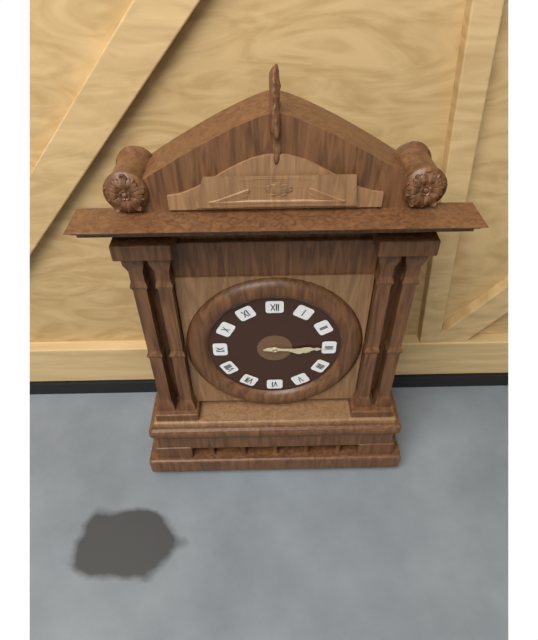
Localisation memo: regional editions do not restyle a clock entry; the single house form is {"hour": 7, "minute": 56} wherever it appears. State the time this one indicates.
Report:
{"hour": 3, "minute": 15}
